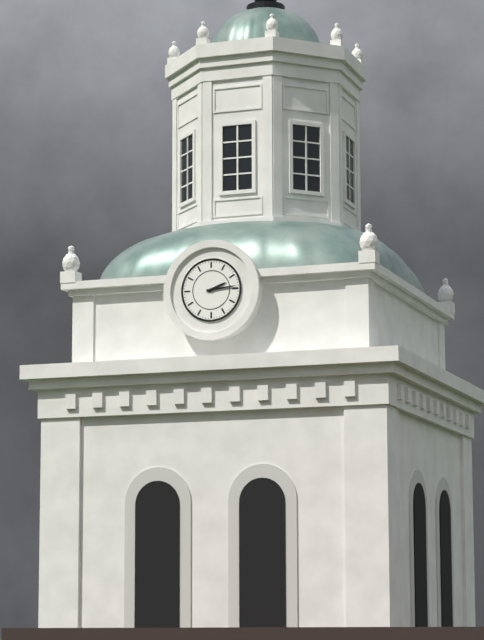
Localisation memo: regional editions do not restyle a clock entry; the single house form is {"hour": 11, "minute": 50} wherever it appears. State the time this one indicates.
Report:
{"hour": 2, "minute": 14}
